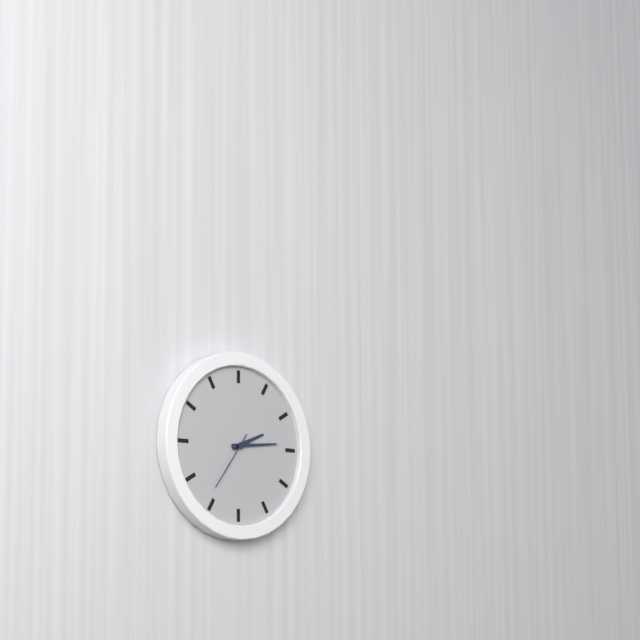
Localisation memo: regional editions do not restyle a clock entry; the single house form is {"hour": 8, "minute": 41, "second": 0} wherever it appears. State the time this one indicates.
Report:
{"hour": 2, "minute": 14, "second": 36}
